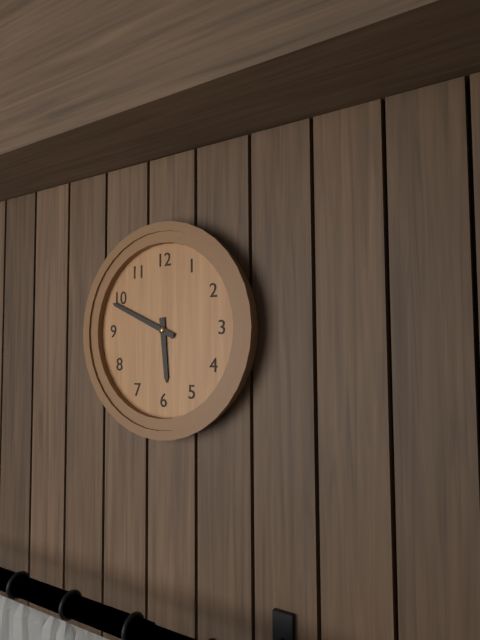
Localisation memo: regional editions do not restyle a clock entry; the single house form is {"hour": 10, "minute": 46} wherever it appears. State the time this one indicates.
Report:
{"hour": 5, "minute": 49}
